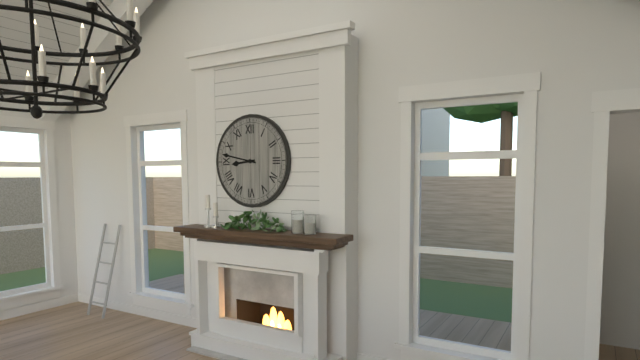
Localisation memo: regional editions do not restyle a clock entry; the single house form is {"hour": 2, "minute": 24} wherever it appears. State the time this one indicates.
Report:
{"hour": 8, "minute": 47}
